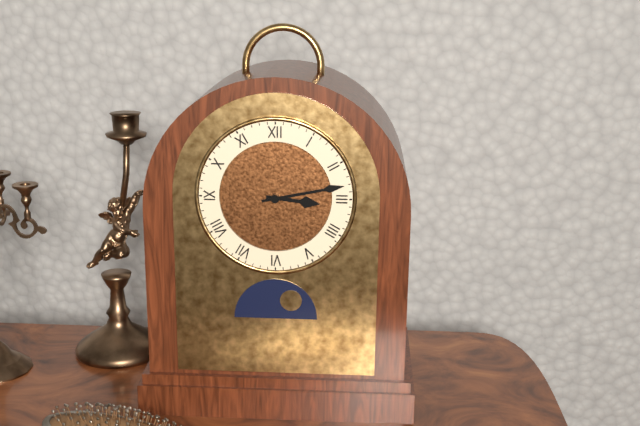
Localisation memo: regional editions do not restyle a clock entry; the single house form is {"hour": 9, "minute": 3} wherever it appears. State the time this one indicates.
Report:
{"hour": 3, "minute": 13}
